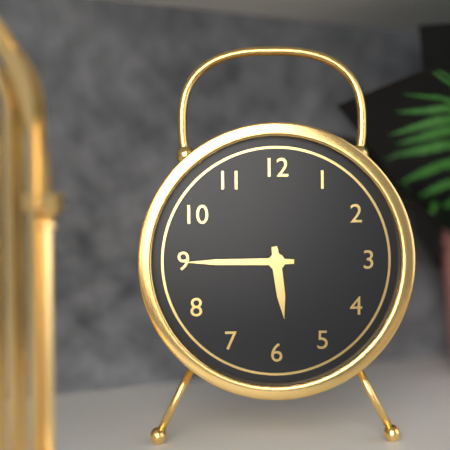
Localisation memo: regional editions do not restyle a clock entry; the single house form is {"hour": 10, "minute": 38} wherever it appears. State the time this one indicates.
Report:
{"hour": 5, "minute": 45}
